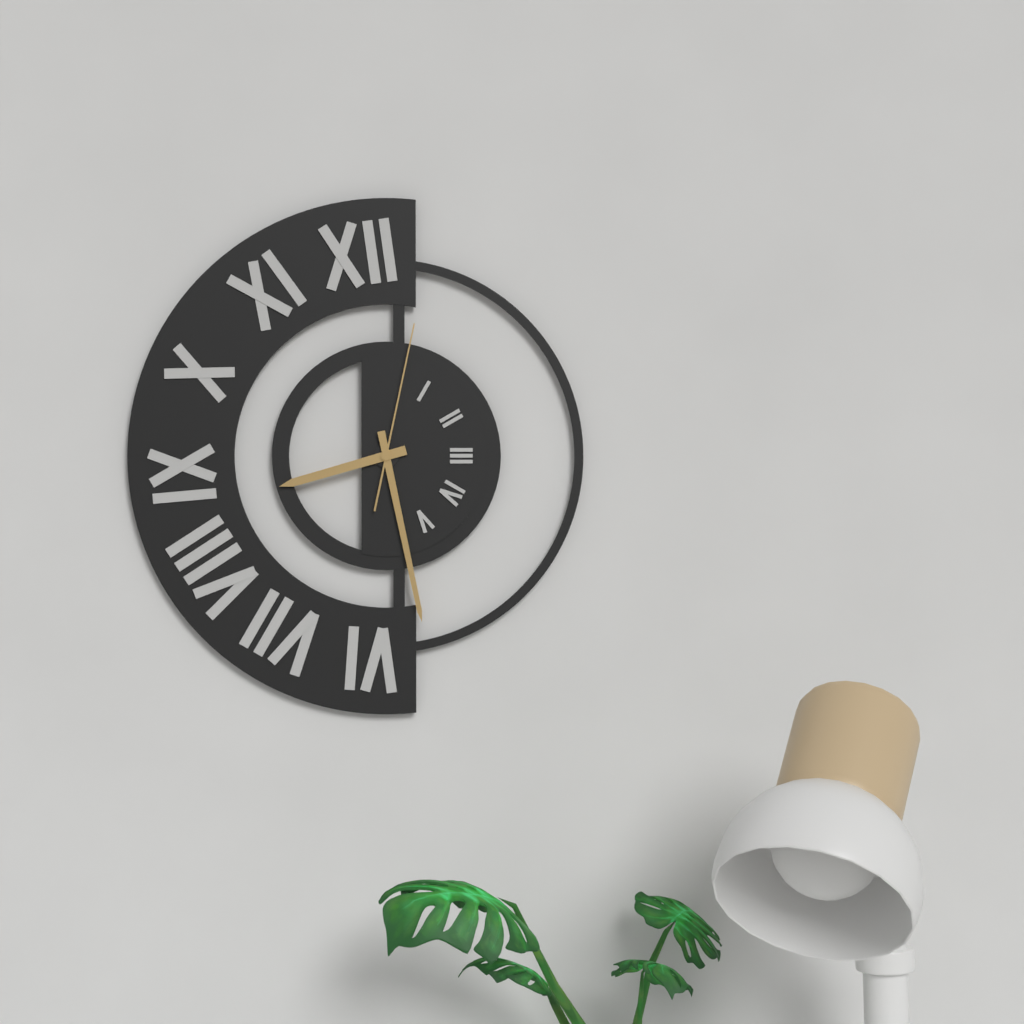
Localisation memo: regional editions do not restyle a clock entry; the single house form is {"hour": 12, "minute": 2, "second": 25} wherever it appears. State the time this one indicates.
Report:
{"hour": 8, "minute": 28, "second": 2}
